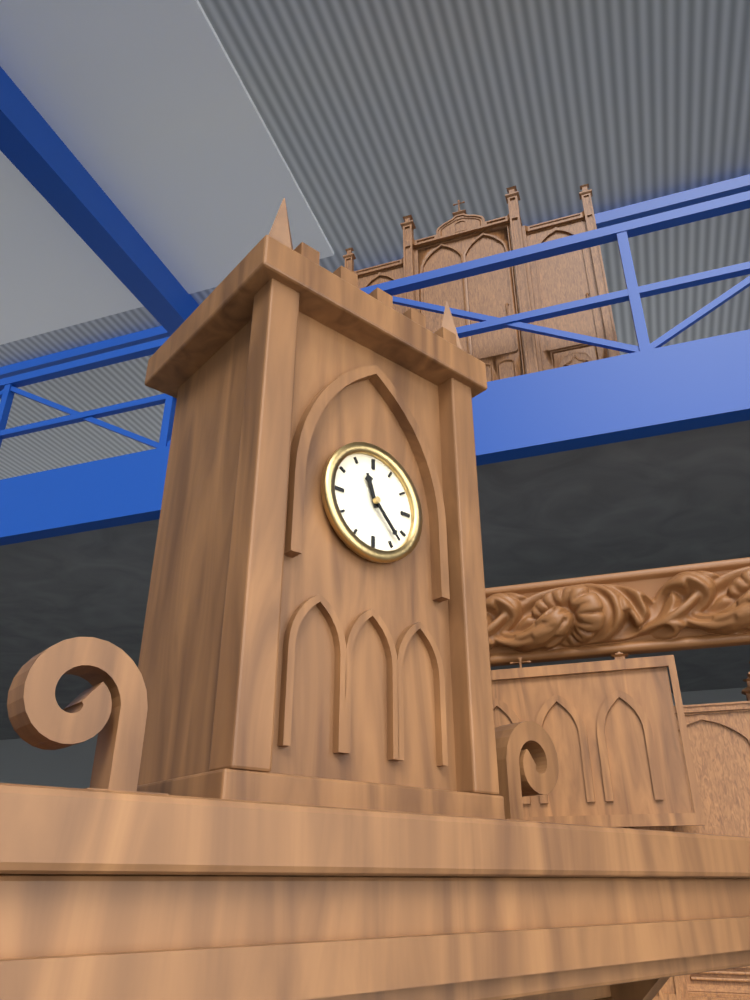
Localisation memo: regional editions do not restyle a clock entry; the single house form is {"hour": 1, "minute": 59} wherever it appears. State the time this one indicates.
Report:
{"hour": 11, "minute": 23}
